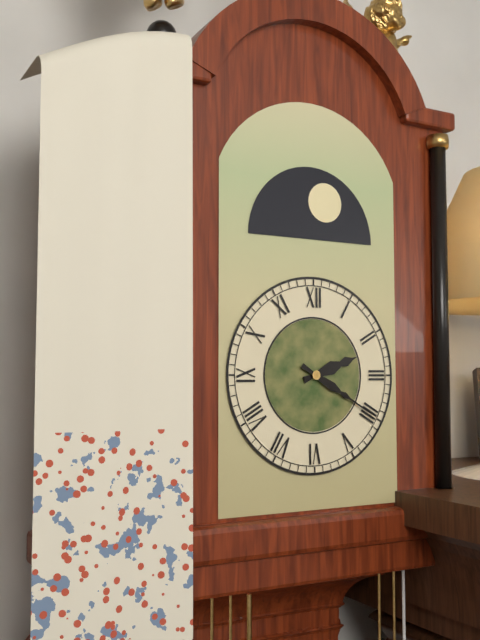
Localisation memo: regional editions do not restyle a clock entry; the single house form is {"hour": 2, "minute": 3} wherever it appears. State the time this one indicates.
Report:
{"hour": 2, "minute": 20}
